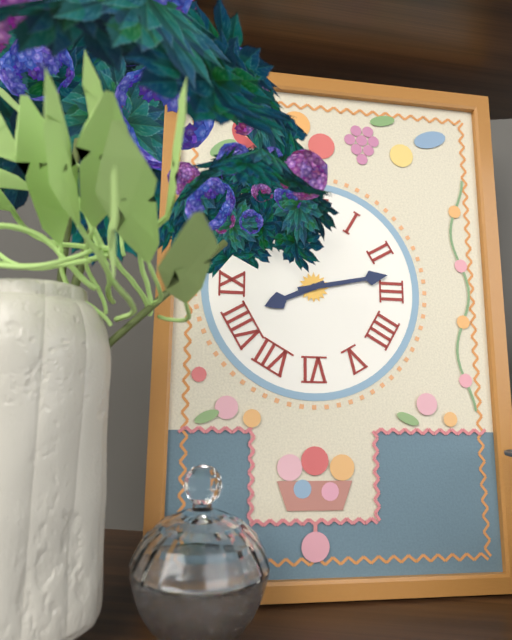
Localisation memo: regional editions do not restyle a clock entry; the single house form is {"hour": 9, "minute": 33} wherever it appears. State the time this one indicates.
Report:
{"hour": 8, "minute": 13}
